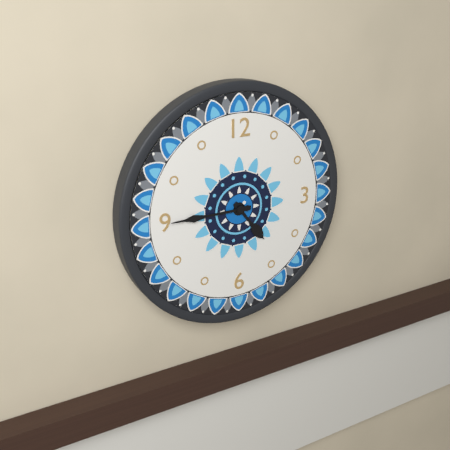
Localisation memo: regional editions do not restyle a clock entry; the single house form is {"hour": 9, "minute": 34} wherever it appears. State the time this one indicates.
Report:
{"hour": 4, "minute": 45}
